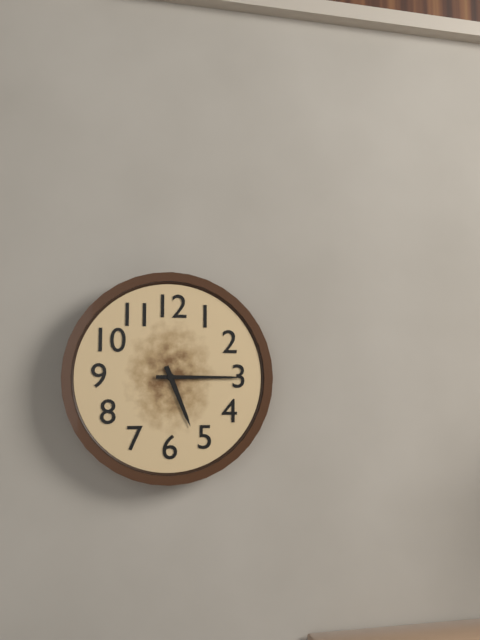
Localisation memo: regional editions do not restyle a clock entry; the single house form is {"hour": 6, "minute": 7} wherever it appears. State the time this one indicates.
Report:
{"hour": 5, "minute": 15}
